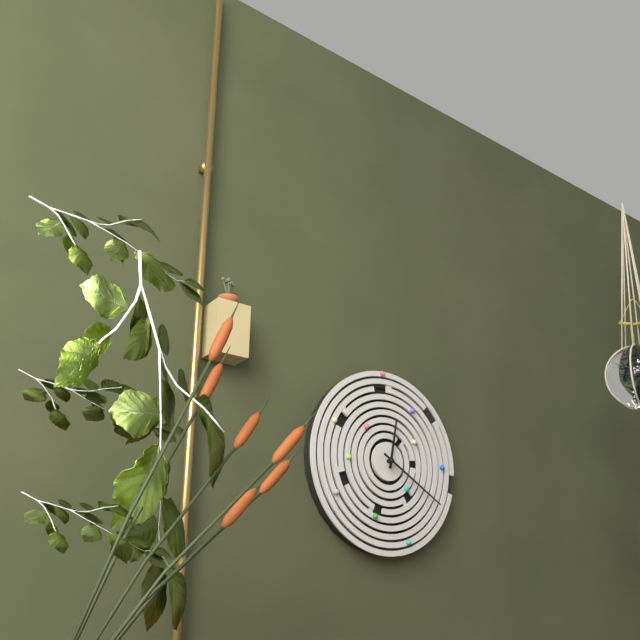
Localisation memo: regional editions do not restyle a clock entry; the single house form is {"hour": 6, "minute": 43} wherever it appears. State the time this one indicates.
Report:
{"hour": 12, "minute": 20}
